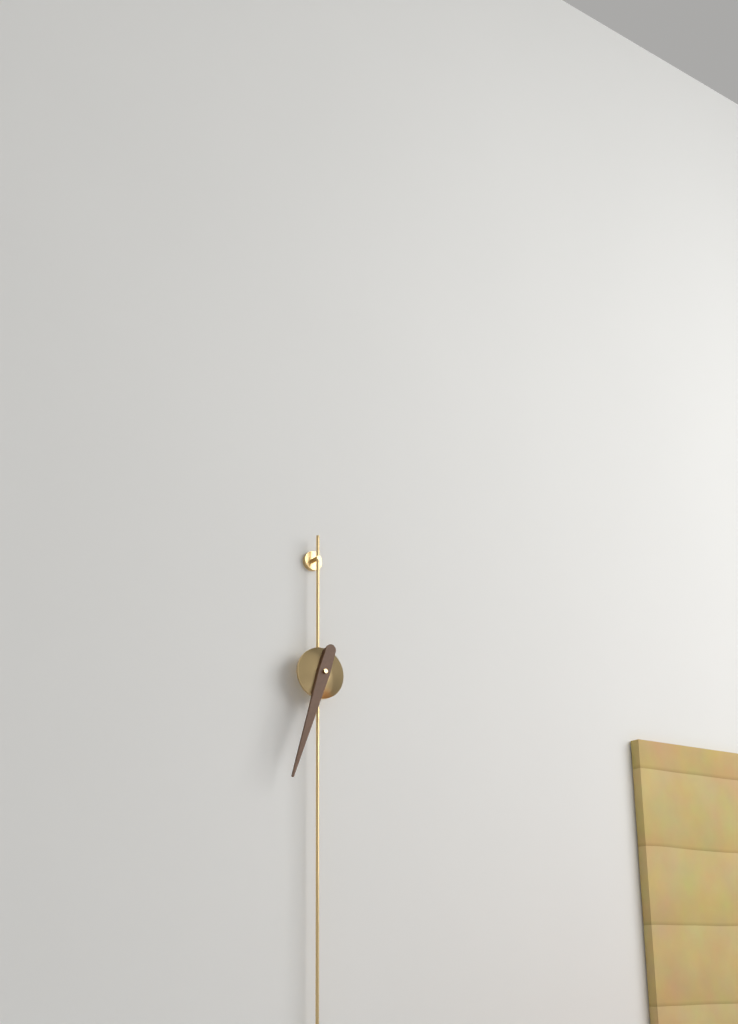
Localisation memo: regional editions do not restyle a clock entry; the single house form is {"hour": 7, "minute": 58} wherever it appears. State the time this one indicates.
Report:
{"hour": 6, "minute": 33}
